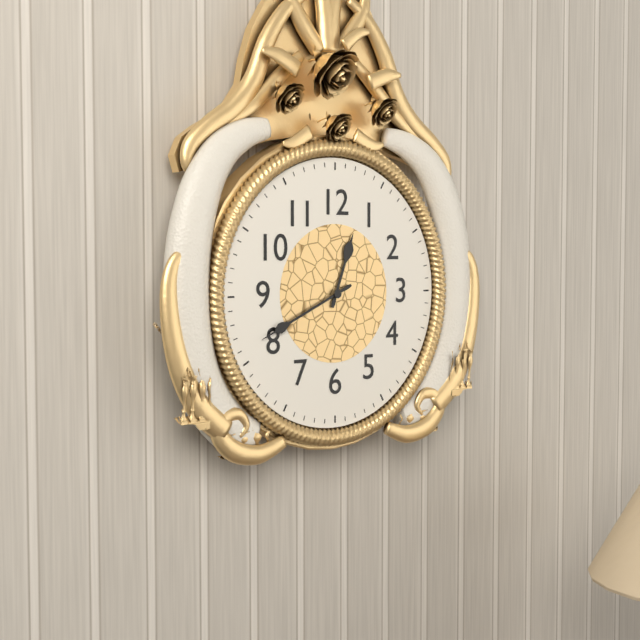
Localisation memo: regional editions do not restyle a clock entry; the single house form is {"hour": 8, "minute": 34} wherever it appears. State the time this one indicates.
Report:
{"hour": 12, "minute": 41}
